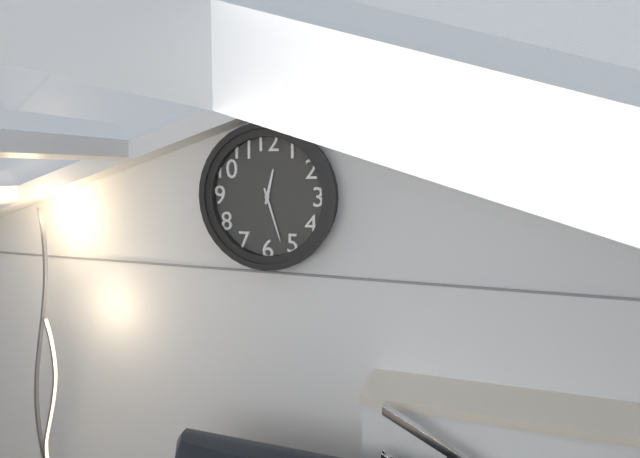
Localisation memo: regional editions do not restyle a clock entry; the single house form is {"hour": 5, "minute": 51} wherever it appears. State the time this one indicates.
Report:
{"hour": 12, "minute": 27}
